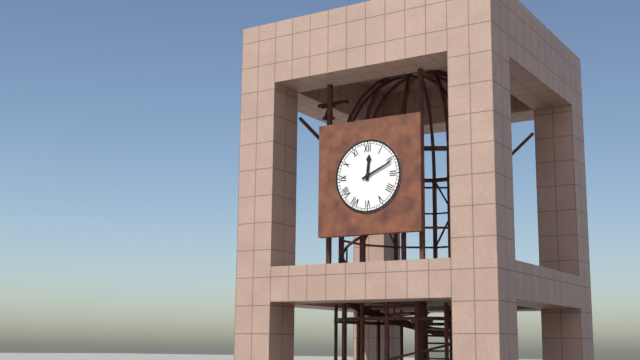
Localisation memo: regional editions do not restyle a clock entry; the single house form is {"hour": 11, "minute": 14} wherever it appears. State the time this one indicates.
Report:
{"hour": 12, "minute": 11}
